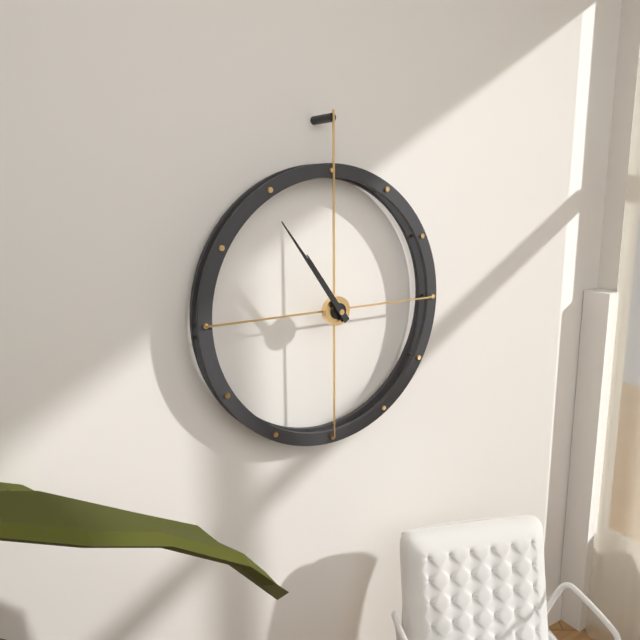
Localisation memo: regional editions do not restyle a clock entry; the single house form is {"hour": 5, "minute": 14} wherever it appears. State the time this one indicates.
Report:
{"hour": 10, "minute": 54}
